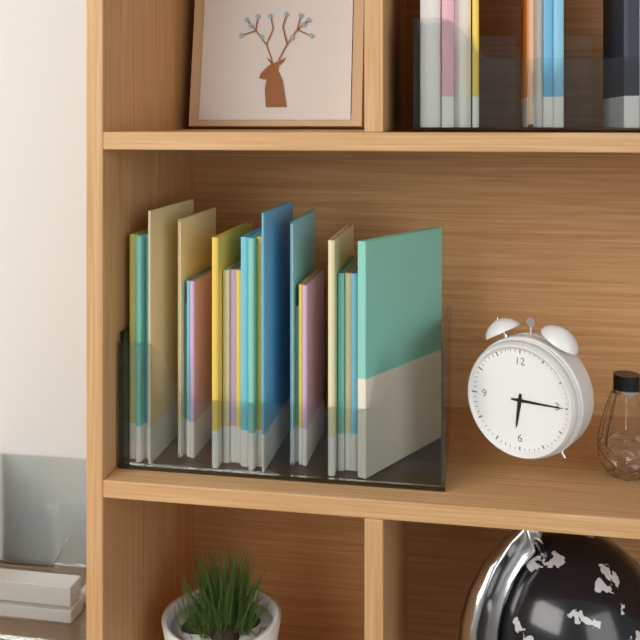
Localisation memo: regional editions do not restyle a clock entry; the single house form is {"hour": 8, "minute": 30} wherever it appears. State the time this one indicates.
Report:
{"hour": 6, "minute": 15}
